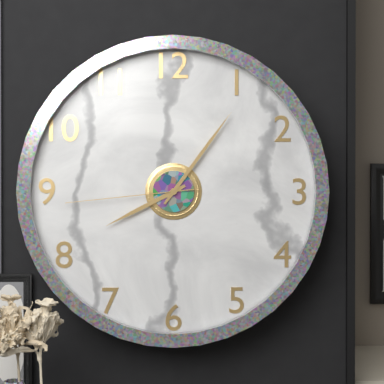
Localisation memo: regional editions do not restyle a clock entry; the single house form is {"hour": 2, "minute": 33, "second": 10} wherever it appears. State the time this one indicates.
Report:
{"hour": 8, "minute": 6, "second": 44}
